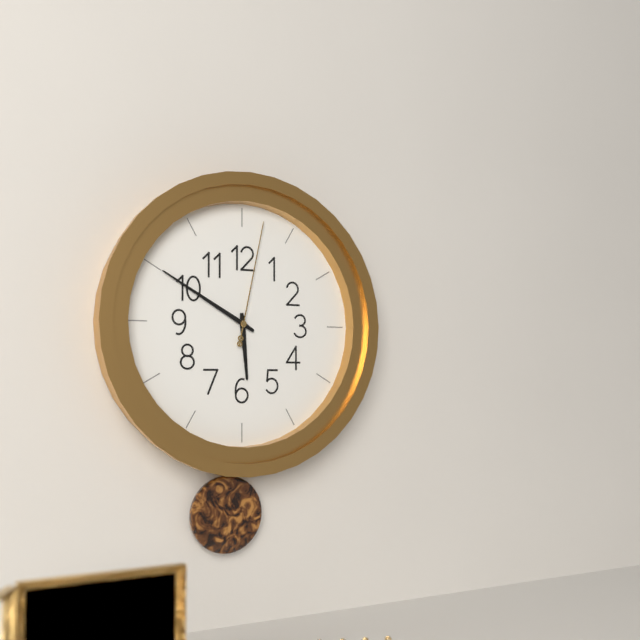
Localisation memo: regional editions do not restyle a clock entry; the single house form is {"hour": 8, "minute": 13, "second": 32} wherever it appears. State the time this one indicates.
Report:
{"hour": 5, "minute": 50, "second": 2}
